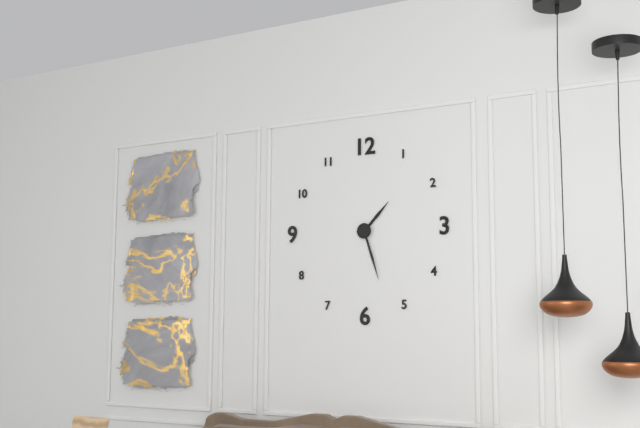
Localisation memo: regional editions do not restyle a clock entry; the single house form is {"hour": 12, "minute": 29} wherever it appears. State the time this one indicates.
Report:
{"hour": 1, "minute": 27}
